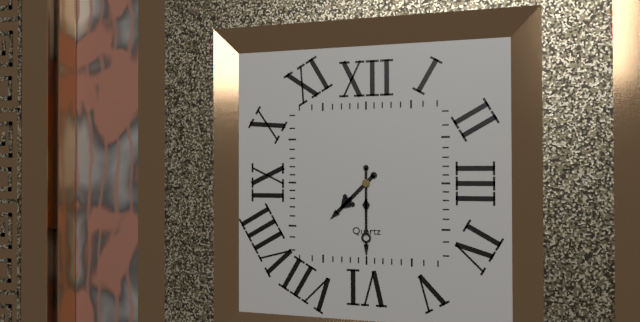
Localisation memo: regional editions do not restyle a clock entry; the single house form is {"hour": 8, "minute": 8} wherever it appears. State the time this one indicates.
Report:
{"hour": 7, "minute": 30}
